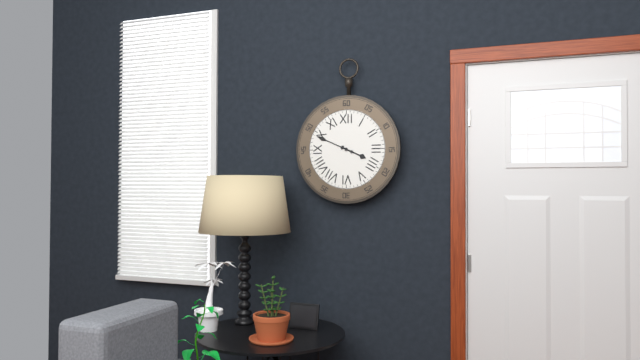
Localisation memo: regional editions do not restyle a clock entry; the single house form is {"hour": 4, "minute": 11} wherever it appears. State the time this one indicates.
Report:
{"hour": 3, "minute": 49}
